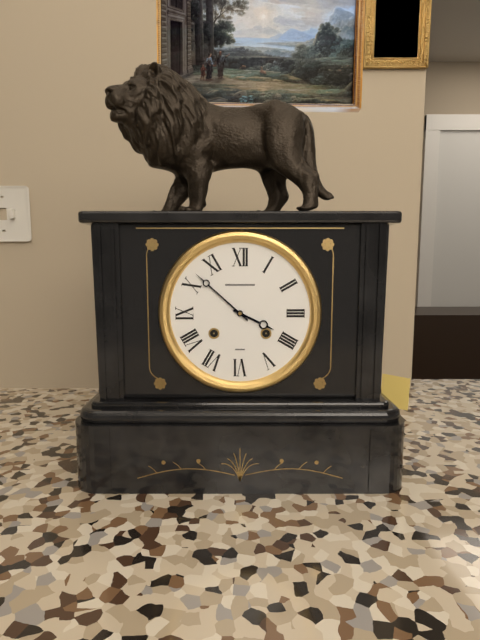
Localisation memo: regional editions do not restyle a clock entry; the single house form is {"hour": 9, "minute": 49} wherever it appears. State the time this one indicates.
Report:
{"hour": 3, "minute": 52}
